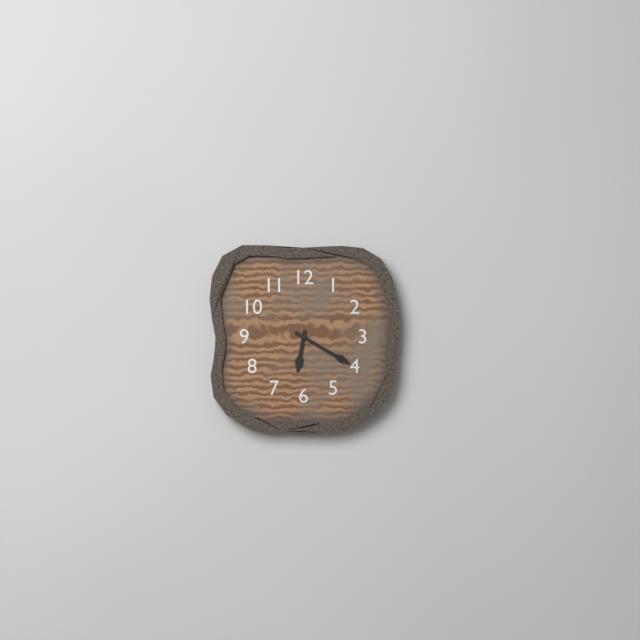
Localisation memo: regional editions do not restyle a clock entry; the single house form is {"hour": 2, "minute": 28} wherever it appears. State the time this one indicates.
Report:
{"hour": 6, "minute": 20}
